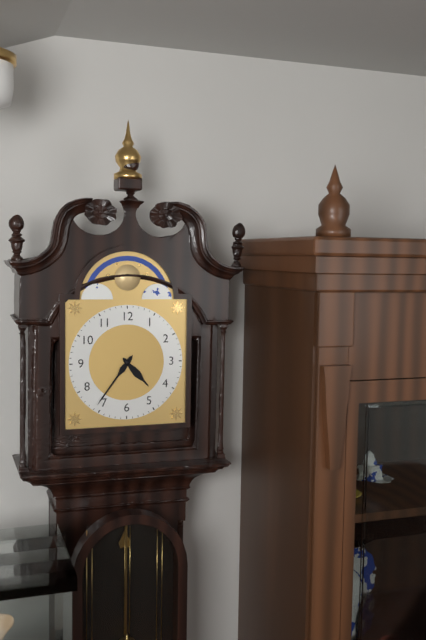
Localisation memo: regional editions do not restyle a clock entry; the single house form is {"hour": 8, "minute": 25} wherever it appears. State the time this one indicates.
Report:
{"hour": 4, "minute": 36}
